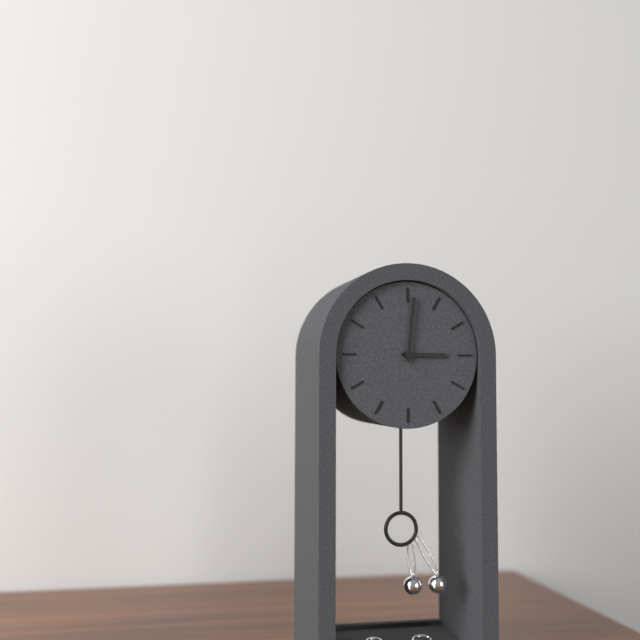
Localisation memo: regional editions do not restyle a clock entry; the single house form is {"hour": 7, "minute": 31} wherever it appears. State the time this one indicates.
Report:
{"hour": 3, "minute": 1}
